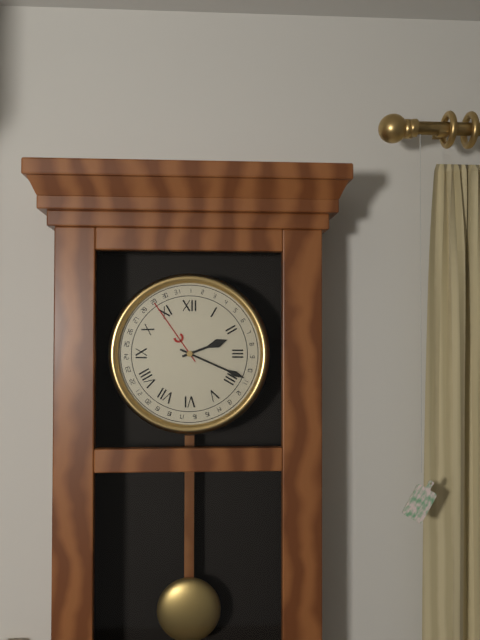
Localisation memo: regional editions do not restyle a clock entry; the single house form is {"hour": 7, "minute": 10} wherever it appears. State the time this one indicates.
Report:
{"hour": 2, "minute": 19}
